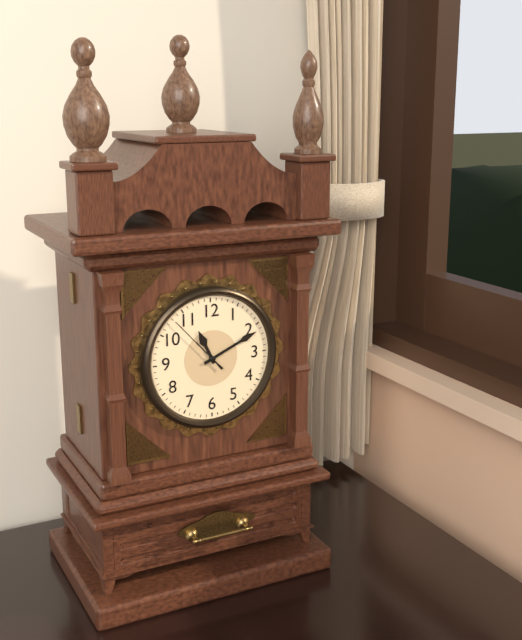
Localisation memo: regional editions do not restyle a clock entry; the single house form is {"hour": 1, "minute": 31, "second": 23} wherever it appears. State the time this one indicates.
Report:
{"hour": 11, "minute": 11, "second": 53}
